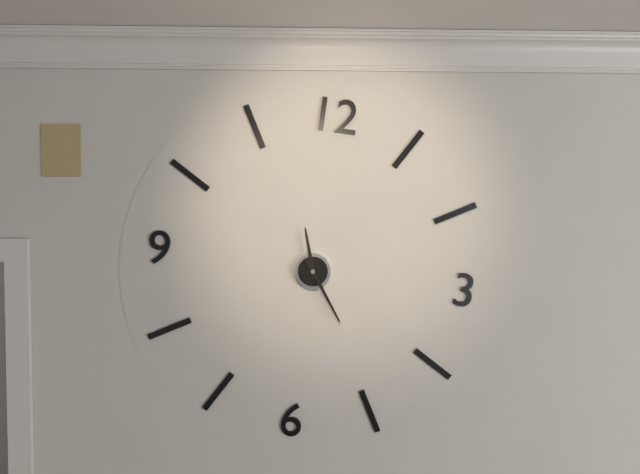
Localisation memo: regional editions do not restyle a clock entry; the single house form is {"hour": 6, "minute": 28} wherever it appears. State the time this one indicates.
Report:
{"hour": 11, "minute": 24}
